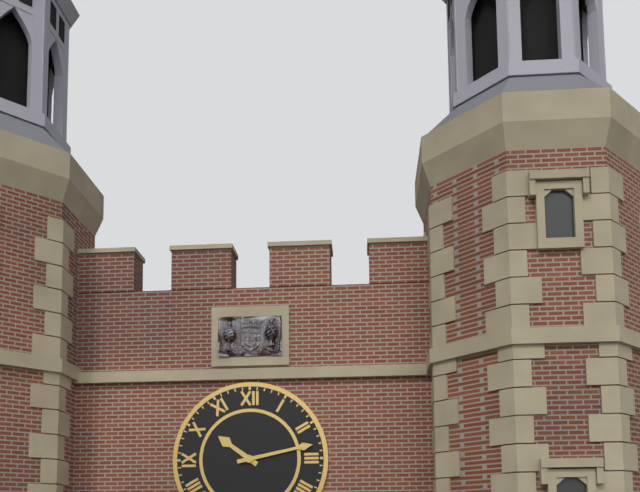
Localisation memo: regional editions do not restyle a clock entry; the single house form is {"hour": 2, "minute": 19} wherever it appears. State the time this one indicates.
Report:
{"hour": 10, "minute": 13}
